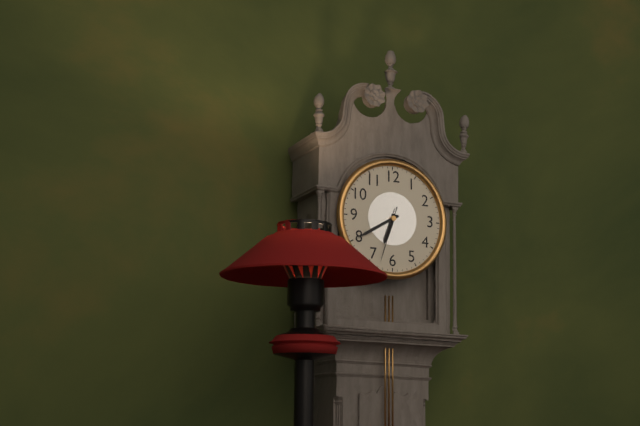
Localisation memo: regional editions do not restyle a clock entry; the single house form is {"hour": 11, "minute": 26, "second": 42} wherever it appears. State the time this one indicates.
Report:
{"hour": 6, "minute": 40, "second": 33}
